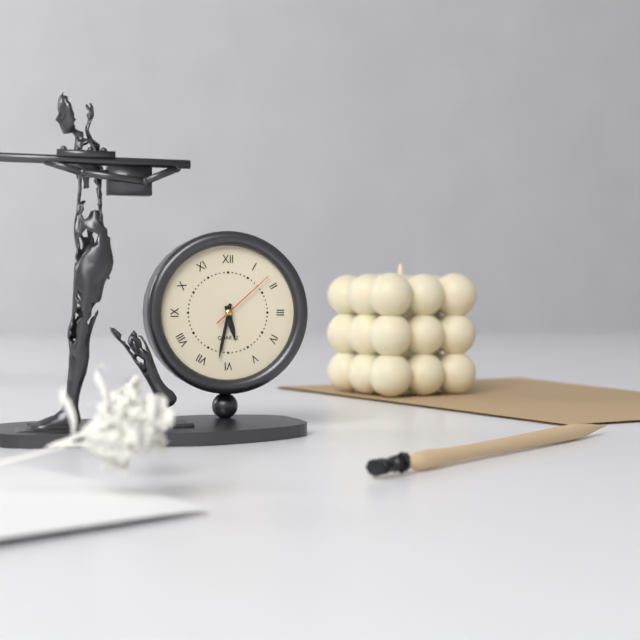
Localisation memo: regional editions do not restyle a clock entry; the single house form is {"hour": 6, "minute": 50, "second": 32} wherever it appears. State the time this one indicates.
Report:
{"hour": 5, "minute": 32, "second": 8}
